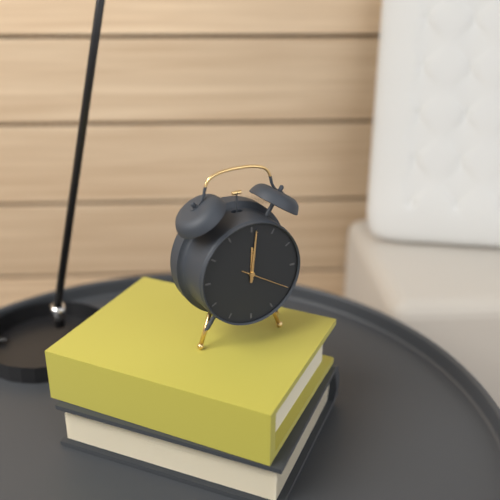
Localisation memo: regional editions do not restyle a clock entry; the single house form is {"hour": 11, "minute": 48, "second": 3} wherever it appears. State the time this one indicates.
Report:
{"hour": 12, "minute": 1, "second": 20}
